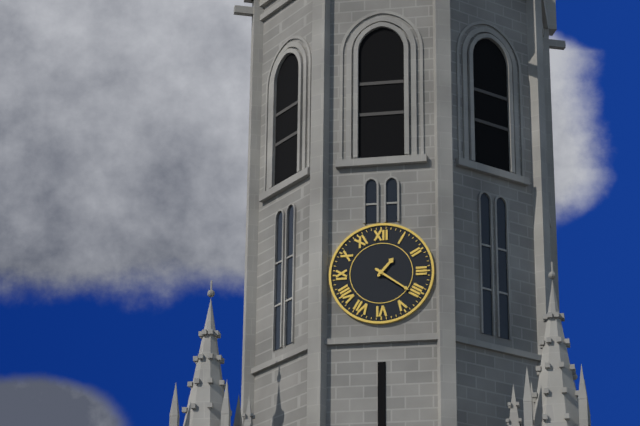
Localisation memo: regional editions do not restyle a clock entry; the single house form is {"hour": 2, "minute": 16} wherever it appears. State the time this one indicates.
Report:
{"hour": 1, "minute": 21}
